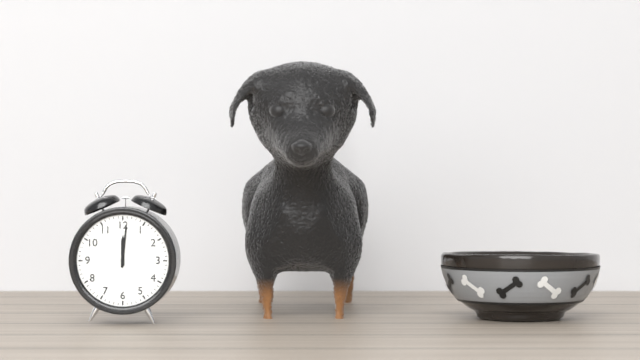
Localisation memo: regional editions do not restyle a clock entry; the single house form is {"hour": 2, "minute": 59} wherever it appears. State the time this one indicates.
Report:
{"hour": 12, "minute": 1}
